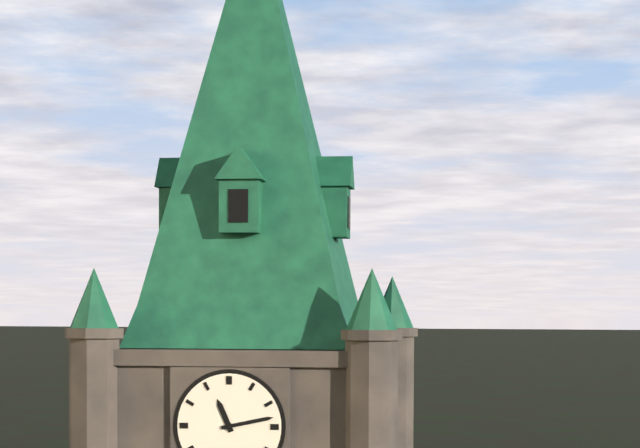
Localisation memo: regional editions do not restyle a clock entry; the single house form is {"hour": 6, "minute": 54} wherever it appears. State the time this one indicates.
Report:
{"hour": 11, "minute": 13}
